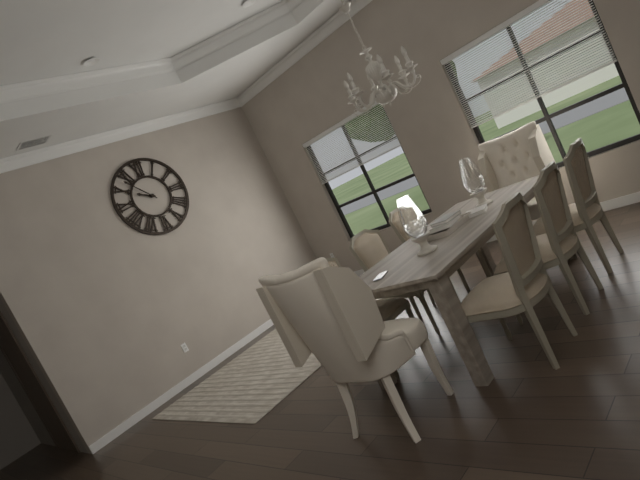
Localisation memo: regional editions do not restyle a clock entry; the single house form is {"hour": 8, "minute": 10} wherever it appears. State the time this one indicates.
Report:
{"hour": 9, "minute": 53}
